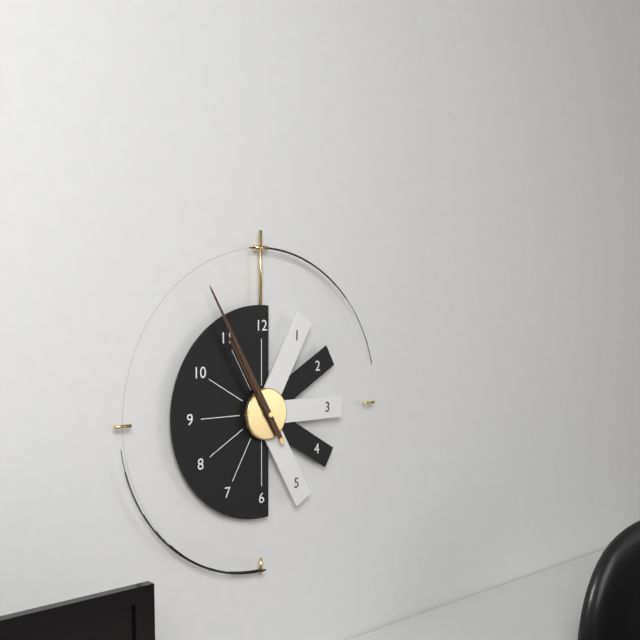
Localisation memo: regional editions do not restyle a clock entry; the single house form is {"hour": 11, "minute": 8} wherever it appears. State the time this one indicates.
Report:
{"hour": 10, "minute": 55}
